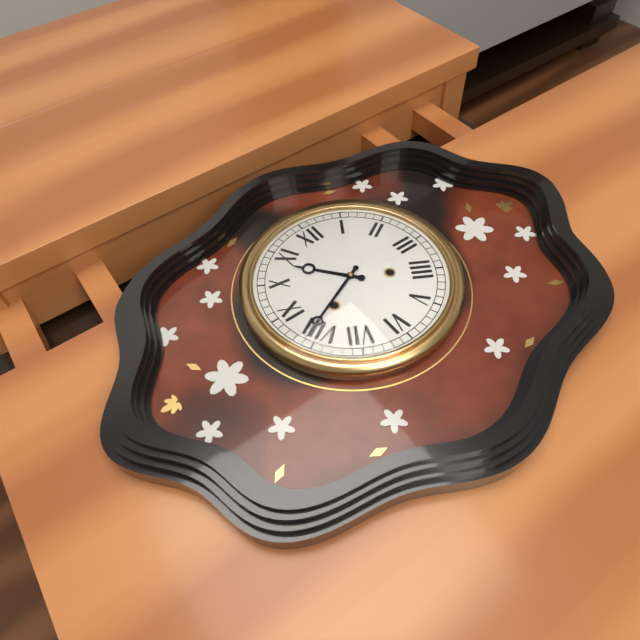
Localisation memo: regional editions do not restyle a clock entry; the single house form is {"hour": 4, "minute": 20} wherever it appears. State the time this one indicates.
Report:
{"hour": 10, "minute": 41}
